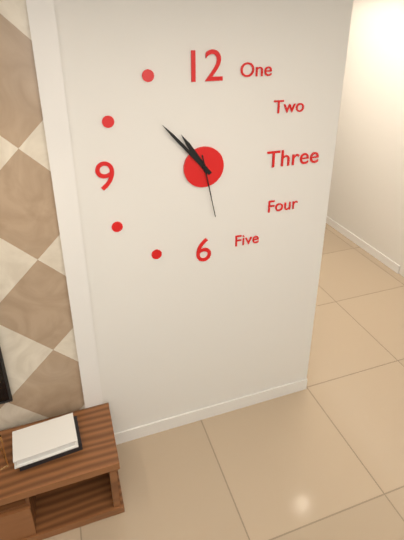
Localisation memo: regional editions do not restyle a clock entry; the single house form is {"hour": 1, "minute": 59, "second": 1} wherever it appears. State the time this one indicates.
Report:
{"hour": 10, "minute": 53, "second": 28}
